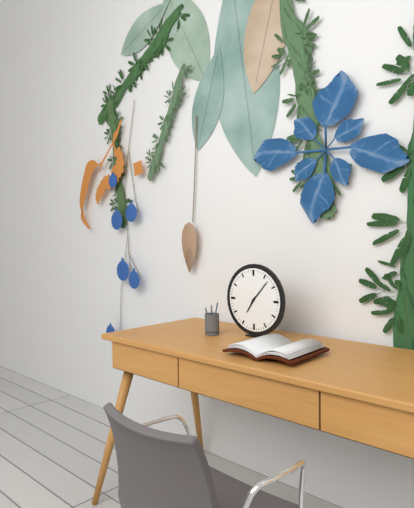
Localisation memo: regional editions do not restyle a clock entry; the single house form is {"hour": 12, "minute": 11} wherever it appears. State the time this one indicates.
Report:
{"hour": 7, "minute": 7}
